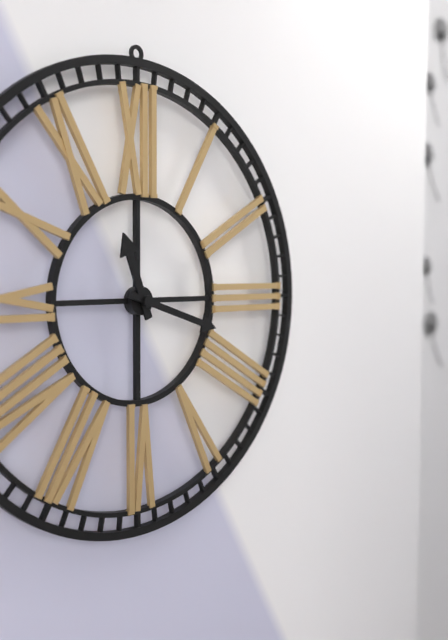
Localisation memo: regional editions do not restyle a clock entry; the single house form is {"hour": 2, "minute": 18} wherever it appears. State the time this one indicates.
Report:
{"hour": 11, "minute": 18}
